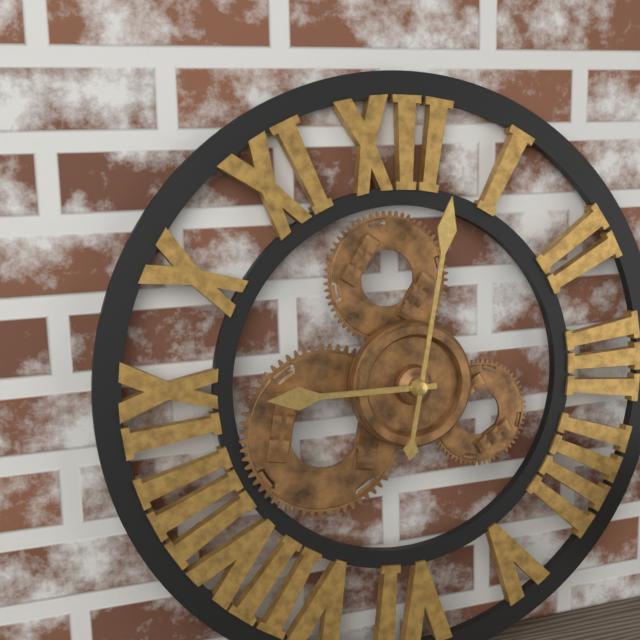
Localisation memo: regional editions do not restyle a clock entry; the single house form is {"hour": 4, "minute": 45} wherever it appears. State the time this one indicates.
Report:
{"hour": 9, "minute": 2}
